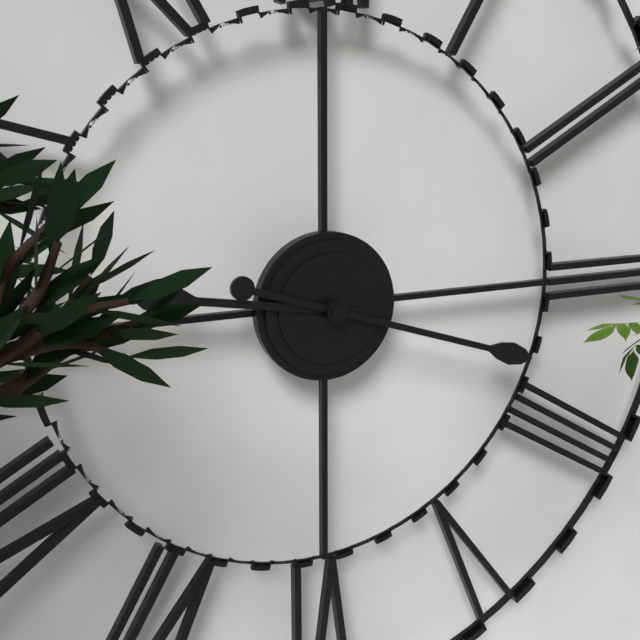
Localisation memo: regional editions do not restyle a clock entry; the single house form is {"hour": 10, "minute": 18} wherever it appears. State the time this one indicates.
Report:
{"hour": 9, "minute": 18}
